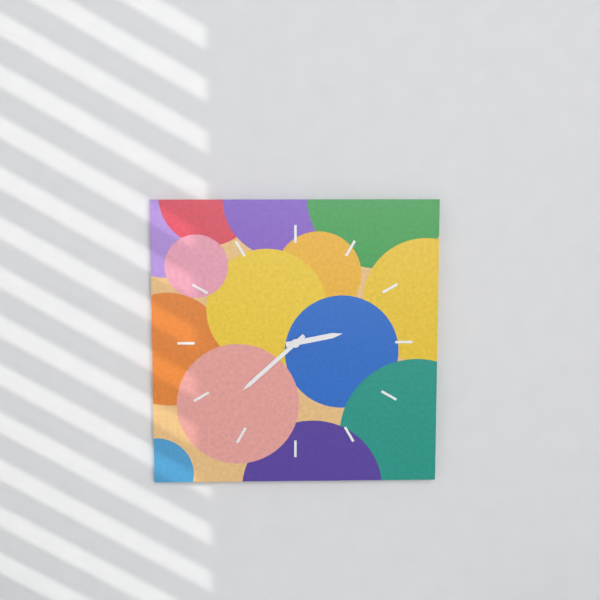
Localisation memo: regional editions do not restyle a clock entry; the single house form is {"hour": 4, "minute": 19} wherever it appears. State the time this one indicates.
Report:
{"hour": 2, "minute": 38}
